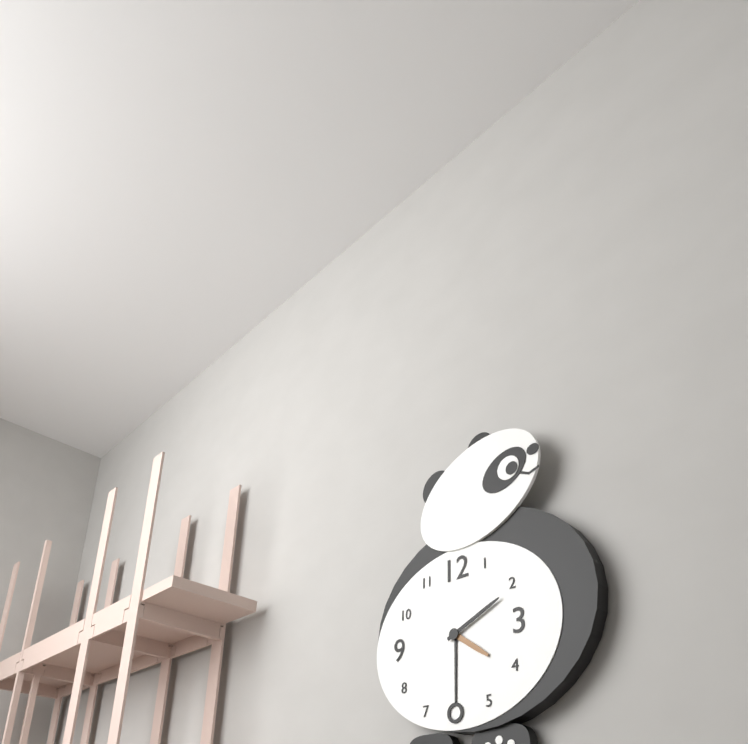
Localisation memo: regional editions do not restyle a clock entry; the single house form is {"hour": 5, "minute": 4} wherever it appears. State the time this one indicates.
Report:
{"hour": 4, "minute": 11}
